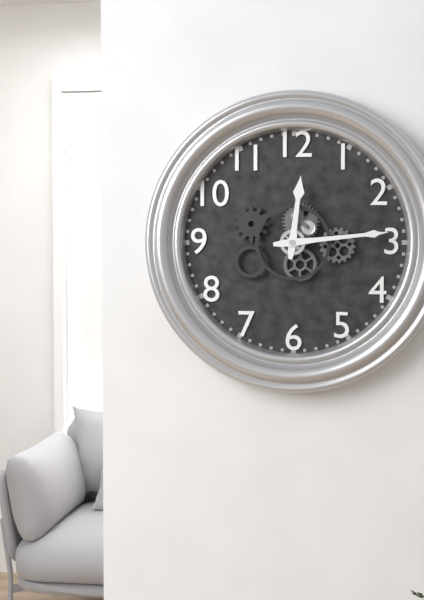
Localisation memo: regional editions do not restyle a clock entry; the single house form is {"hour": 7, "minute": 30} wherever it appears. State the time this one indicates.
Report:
{"hour": 12, "minute": 14}
